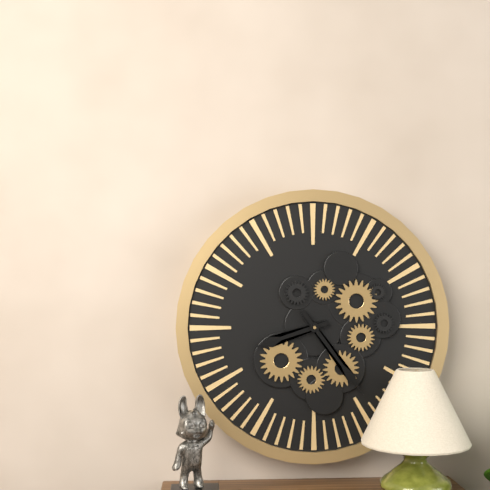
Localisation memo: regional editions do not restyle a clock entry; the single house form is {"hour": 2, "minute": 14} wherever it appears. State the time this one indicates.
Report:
{"hour": 8, "minute": 24}
